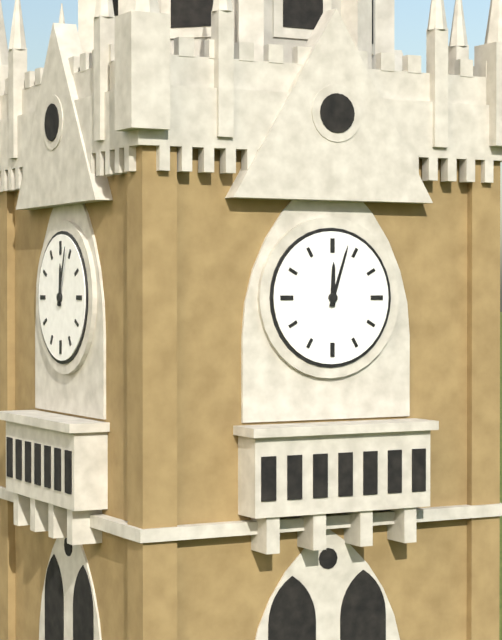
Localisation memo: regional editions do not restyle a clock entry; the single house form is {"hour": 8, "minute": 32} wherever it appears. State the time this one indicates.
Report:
{"hour": 12, "minute": 3}
